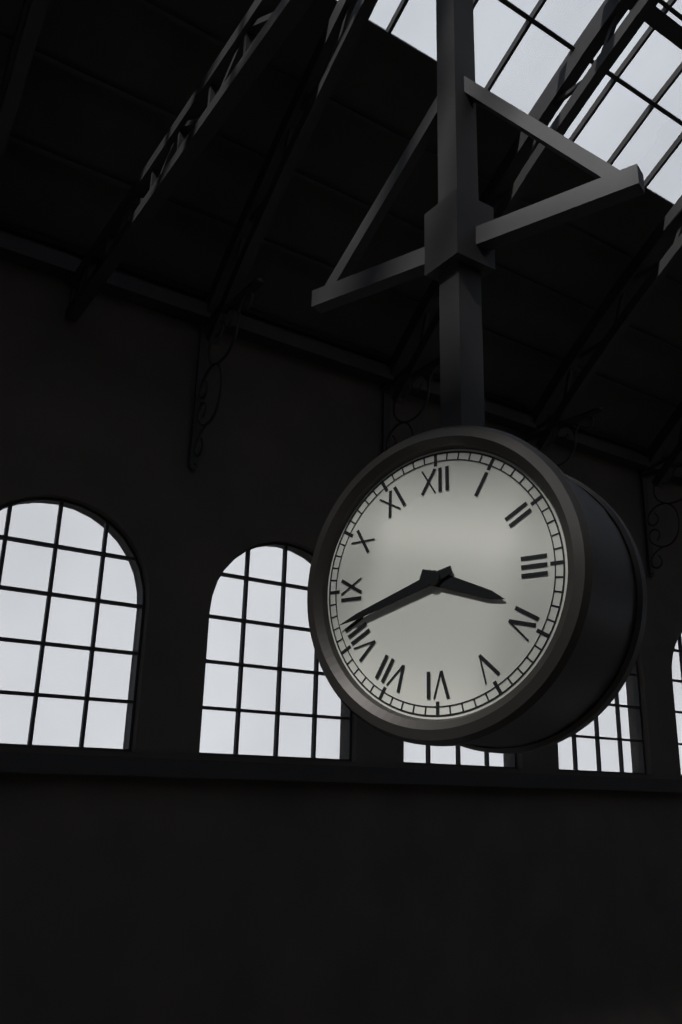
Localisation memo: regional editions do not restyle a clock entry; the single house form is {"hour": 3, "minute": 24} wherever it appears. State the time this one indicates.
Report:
{"hour": 3, "minute": 42}
